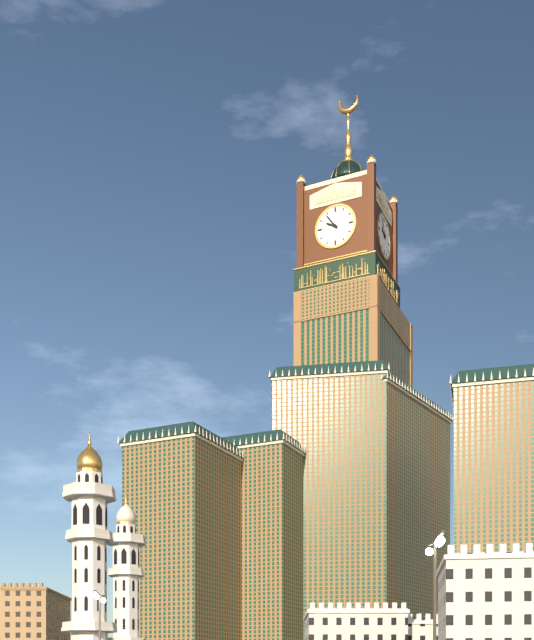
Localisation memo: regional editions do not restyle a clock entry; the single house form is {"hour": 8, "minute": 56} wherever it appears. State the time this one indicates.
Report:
{"hour": 9, "minute": 54}
